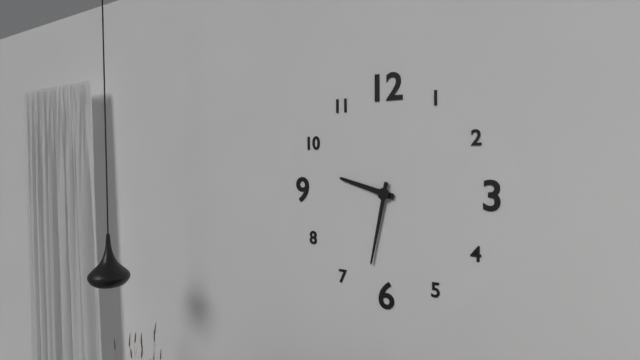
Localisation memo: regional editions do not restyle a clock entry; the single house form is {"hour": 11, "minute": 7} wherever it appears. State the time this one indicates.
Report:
{"hour": 9, "minute": 32}
